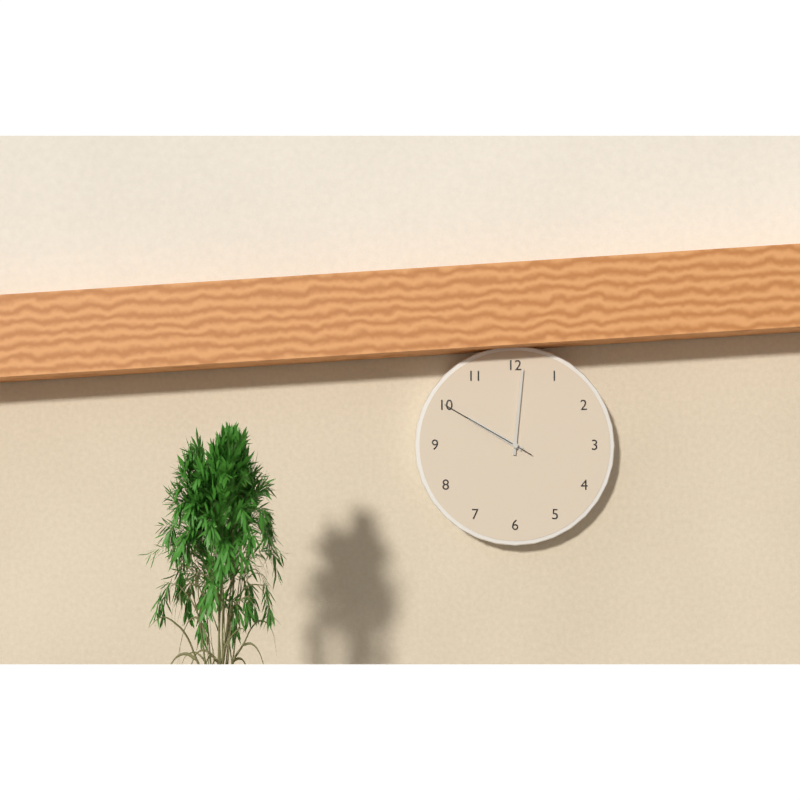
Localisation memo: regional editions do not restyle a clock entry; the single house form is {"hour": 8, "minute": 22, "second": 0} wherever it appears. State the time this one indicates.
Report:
{"hour": 10, "minute": 1, "second": 50}
